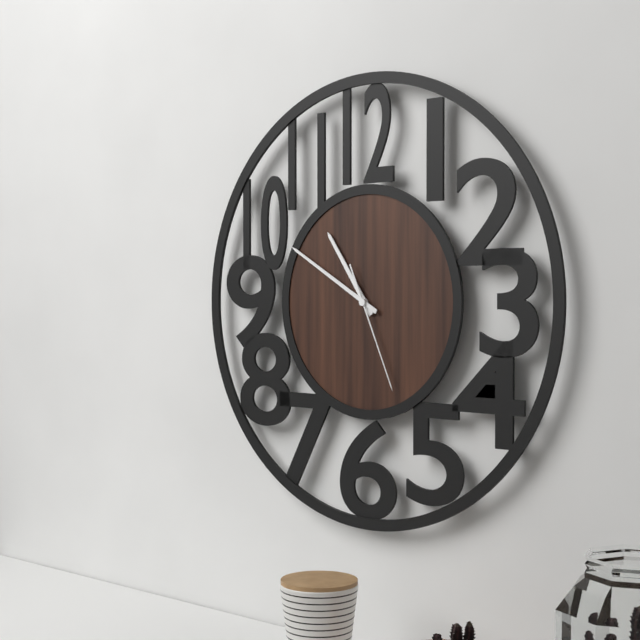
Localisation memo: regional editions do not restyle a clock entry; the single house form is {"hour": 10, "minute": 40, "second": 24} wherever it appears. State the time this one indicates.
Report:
{"hour": 10, "minute": 50, "second": 26}
